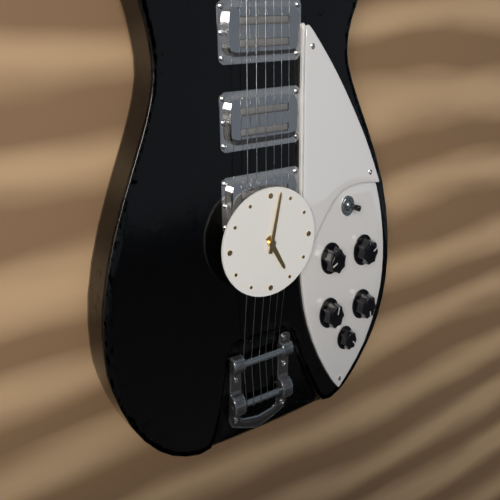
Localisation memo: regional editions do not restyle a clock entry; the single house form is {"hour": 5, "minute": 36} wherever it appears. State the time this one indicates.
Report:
{"hour": 5, "minute": 2}
